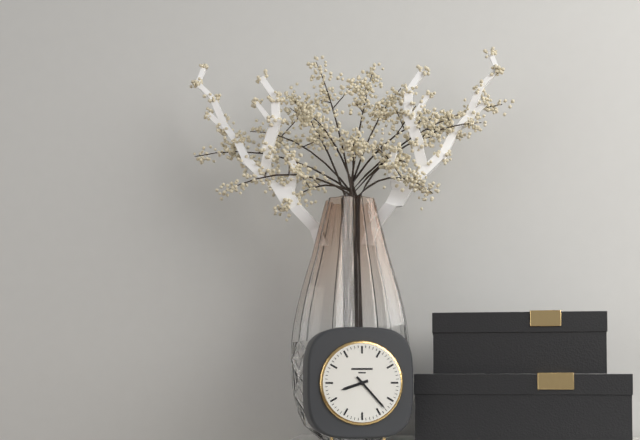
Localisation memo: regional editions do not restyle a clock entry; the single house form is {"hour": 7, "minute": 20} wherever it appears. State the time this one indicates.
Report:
{"hour": 8, "minute": 23}
